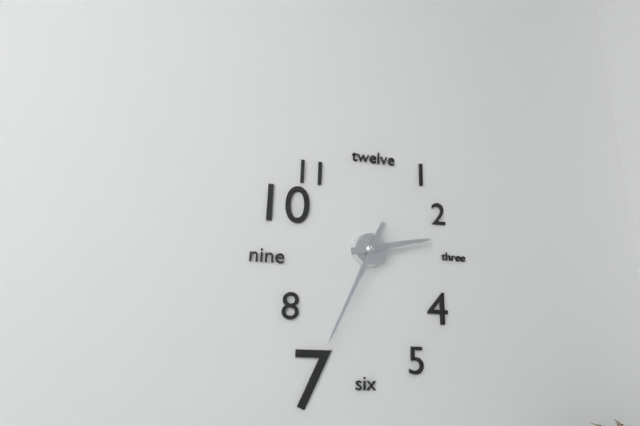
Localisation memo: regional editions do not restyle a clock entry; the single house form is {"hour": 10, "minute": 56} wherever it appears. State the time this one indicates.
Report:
{"hour": 2, "minute": 34}
